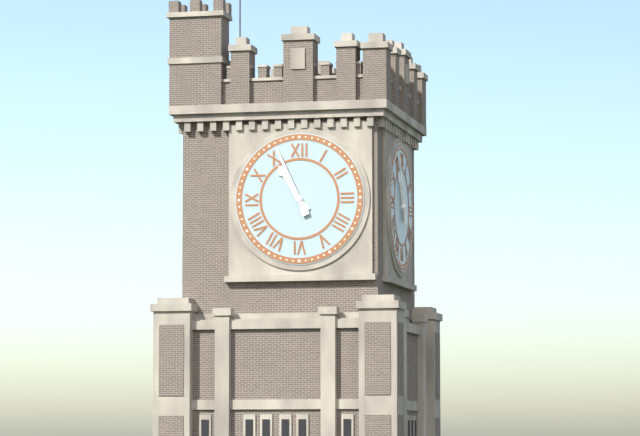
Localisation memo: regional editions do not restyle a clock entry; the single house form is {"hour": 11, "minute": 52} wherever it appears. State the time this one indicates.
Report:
{"hour": 10, "minute": 56}
